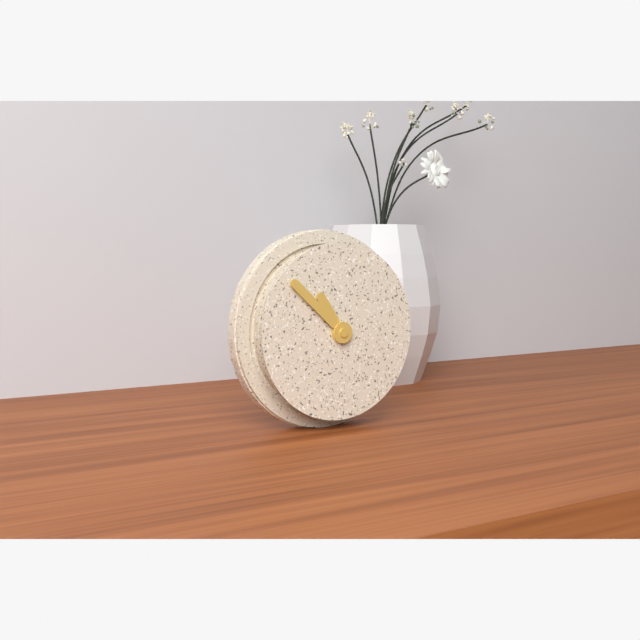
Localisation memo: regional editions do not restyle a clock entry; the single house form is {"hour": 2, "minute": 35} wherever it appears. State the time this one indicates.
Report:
{"hour": 10, "minute": 52}
